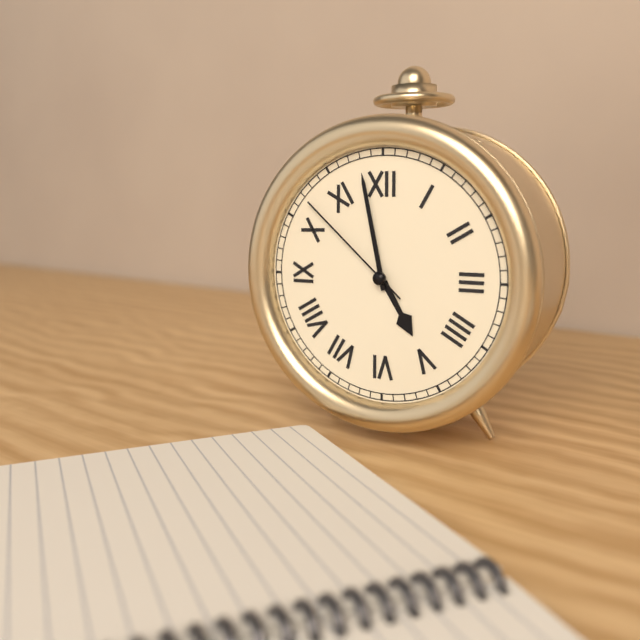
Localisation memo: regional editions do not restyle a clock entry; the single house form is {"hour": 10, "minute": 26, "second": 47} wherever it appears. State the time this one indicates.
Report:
{"hour": 4, "minute": 58, "second": 52}
